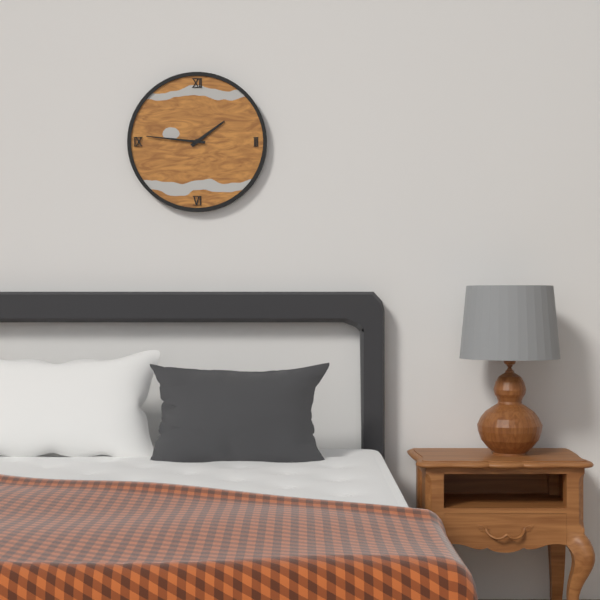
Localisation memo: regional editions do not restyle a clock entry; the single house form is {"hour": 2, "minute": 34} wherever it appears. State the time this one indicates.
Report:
{"hour": 1, "minute": 46}
